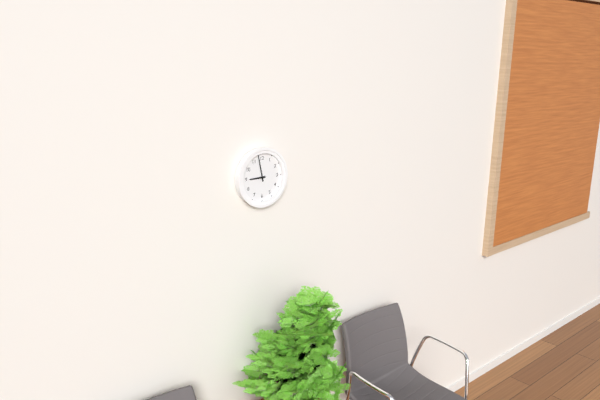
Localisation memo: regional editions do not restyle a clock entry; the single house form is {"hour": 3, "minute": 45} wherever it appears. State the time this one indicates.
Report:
{"hour": 8, "minute": 58}
